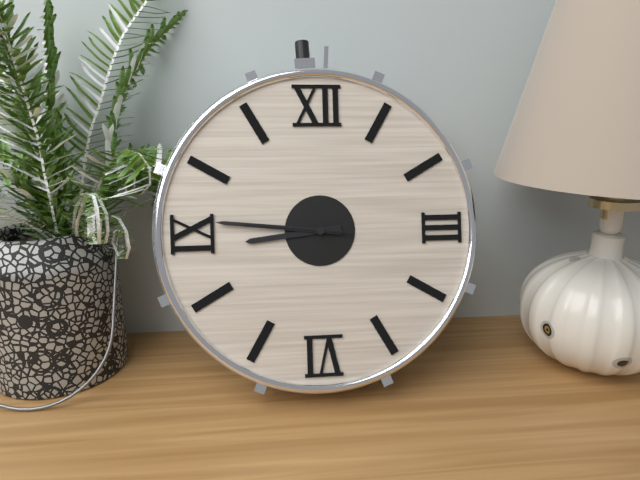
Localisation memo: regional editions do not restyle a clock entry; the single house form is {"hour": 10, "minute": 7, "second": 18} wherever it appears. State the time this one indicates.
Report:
{"hour": 8, "minute": 46, "second": 46}
